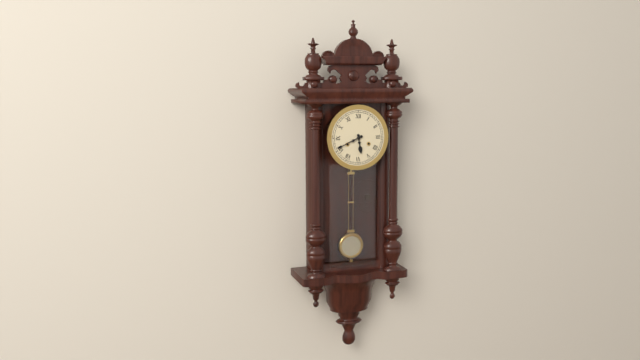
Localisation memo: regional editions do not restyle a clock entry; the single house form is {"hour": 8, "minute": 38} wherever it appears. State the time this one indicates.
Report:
{"hour": 5, "minute": 41}
